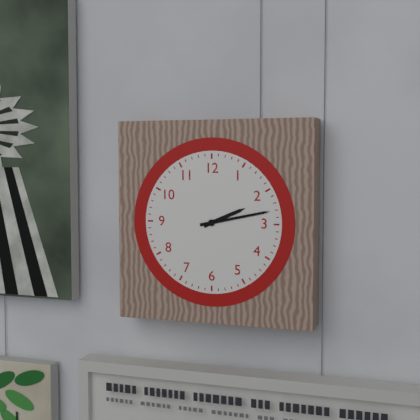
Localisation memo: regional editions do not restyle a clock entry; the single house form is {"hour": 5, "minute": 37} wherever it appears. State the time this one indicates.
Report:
{"hour": 2, "minute": 13}
